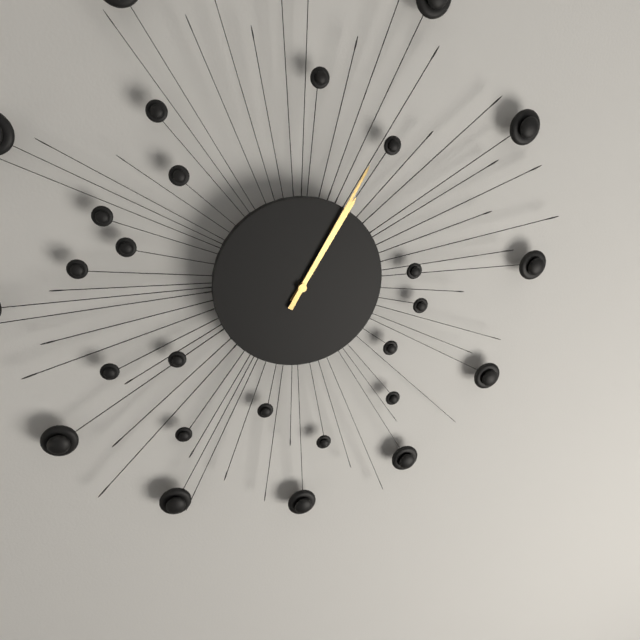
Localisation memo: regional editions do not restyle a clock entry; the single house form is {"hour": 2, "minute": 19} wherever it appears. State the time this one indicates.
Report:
{"hour": 1, "minute": 5}
